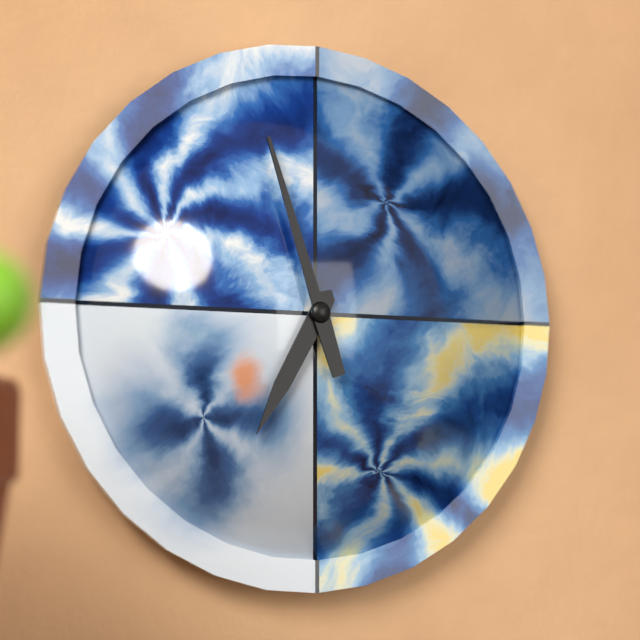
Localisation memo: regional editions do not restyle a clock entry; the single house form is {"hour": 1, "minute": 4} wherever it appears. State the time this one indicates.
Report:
{"hour": 6, "minute": 57}
